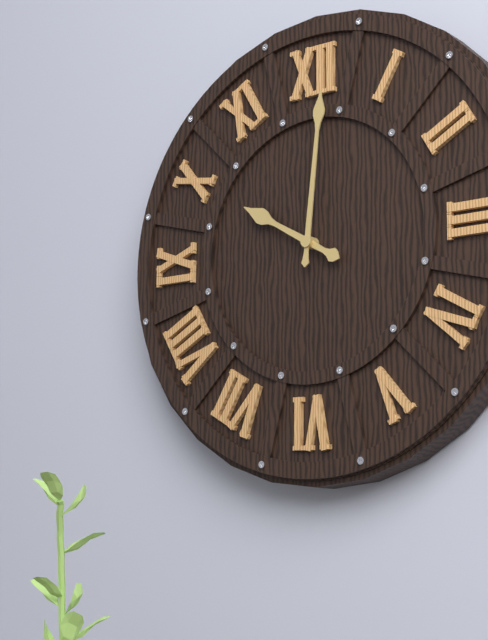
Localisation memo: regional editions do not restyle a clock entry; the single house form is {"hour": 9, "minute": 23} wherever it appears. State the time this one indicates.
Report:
{"hour": 10, "minute": 1}
